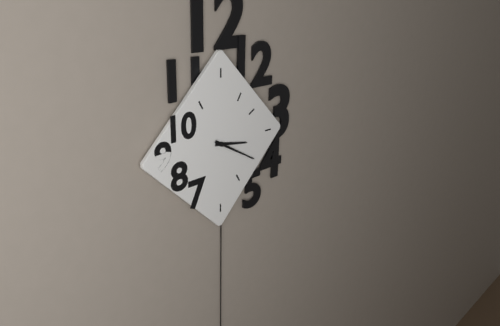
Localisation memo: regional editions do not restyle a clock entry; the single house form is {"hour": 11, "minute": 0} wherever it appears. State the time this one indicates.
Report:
{"hour": 3, "minute": 20}
